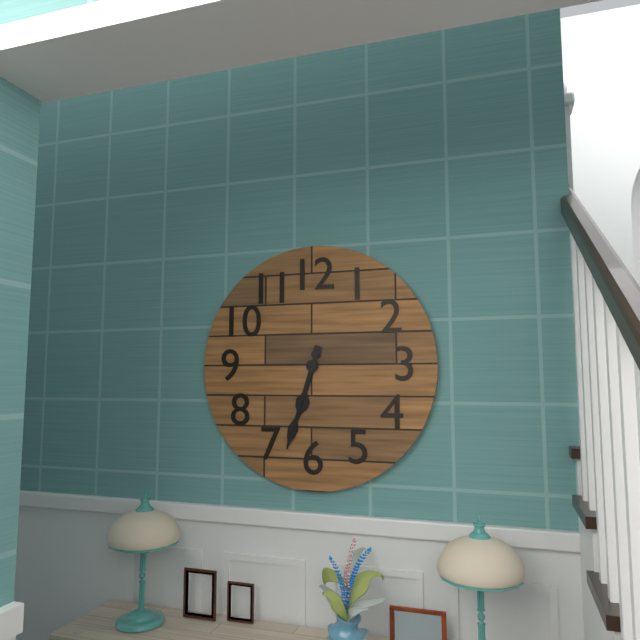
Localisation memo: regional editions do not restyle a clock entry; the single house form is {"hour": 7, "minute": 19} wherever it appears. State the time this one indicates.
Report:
{"hour": 6, "minute": 33}
